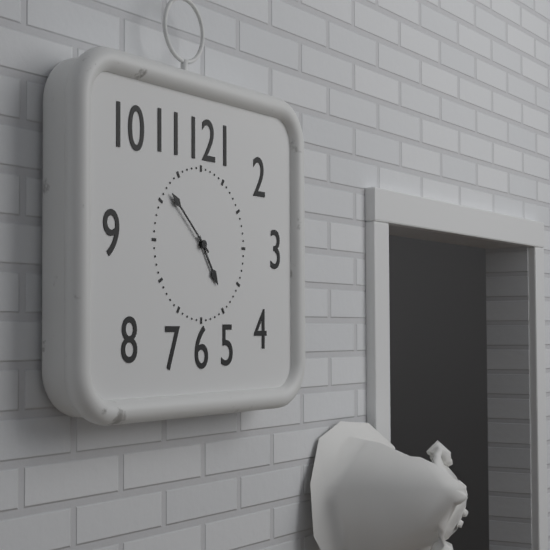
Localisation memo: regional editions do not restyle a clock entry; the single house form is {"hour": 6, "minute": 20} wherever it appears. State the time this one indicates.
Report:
{"hour": 4, "minute": 52}
